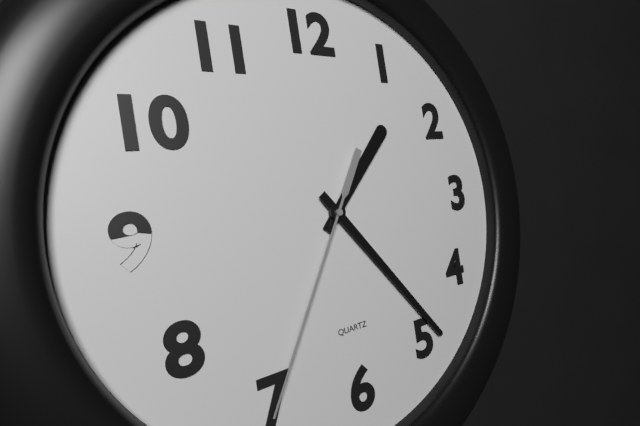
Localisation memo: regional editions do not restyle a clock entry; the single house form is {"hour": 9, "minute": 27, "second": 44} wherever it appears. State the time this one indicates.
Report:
{"hour": 1, "minute": 24, "second": 35}
